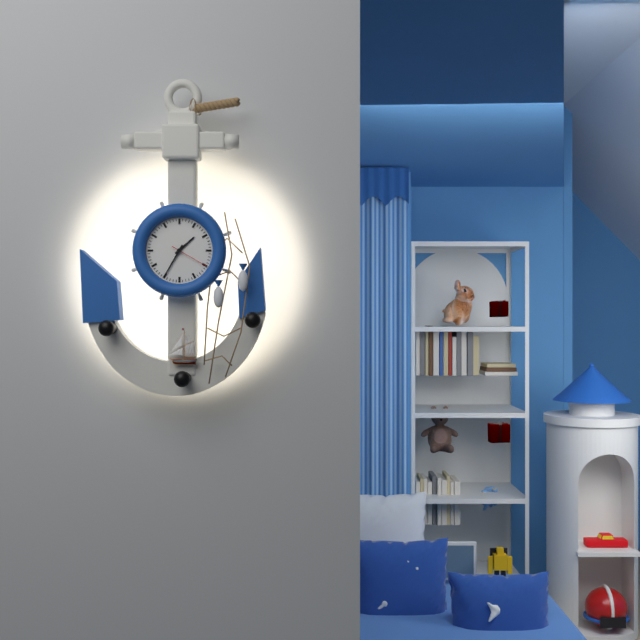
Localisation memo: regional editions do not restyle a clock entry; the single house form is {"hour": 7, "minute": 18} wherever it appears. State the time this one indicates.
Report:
{"hour": 1, "minute": 35}
